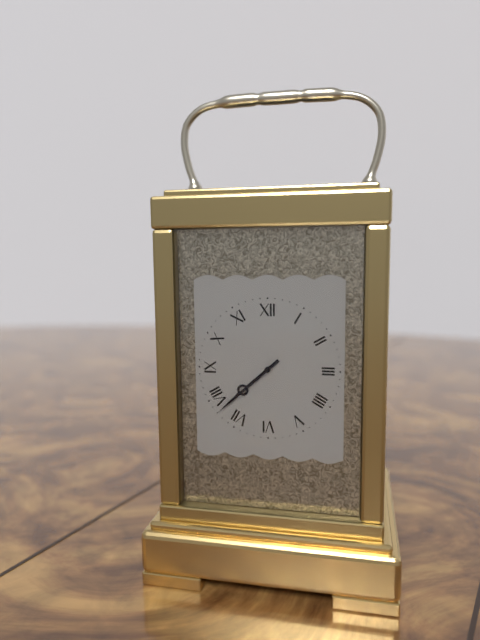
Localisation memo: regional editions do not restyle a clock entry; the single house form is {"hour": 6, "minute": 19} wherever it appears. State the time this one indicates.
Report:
{"hour": 7, "minute": 38}
